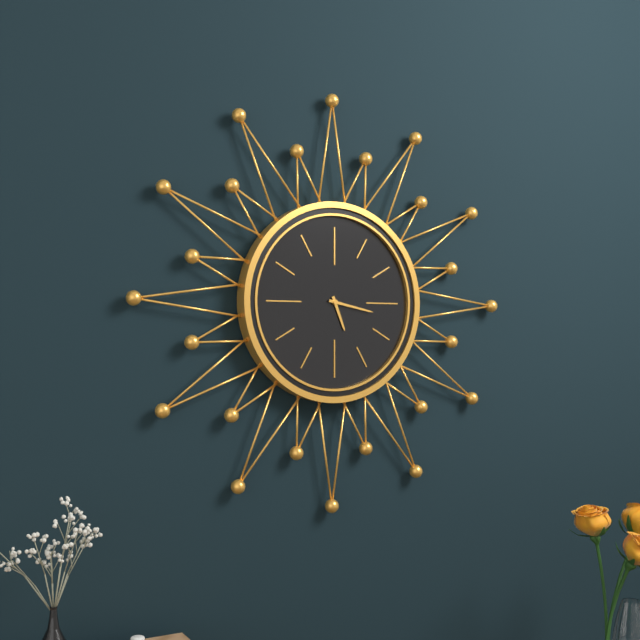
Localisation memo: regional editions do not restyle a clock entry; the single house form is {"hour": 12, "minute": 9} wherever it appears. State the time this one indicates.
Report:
{"hour": 5, "minute": 17}
